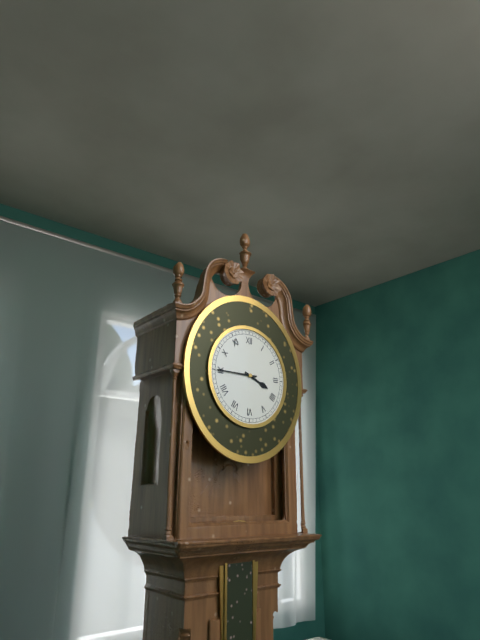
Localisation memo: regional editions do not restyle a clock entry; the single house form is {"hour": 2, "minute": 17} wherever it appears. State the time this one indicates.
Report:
{"hour": 3, "minute": 45}
